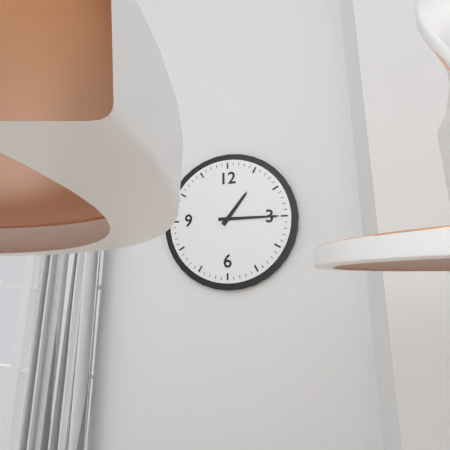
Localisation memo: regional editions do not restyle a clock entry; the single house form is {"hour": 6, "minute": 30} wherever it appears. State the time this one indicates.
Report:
{"hour": 1, "minute": 15}
